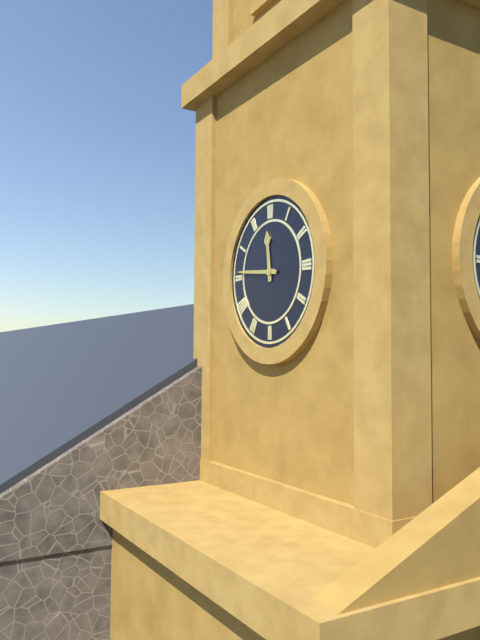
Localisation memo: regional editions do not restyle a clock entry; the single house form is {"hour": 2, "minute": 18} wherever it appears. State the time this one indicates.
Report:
{"hour": 11, "minute": 46}
